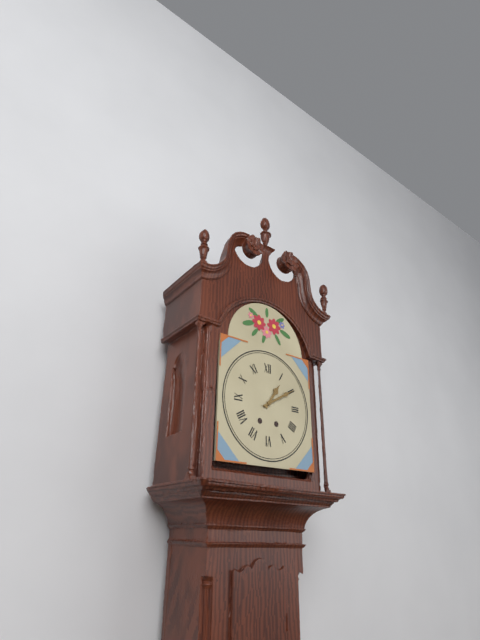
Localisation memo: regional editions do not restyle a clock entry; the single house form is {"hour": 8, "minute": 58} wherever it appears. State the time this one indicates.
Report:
{"hour": 1, "minute": 10}
